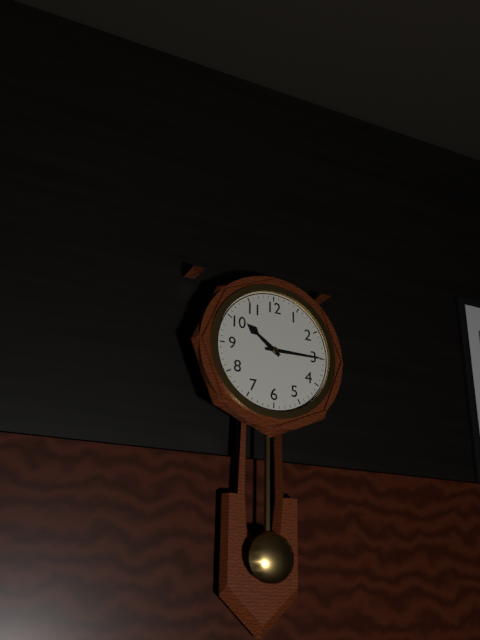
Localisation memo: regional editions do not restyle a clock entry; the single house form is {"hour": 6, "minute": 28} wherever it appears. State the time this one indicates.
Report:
{"hour": 10, "minute": 15}
